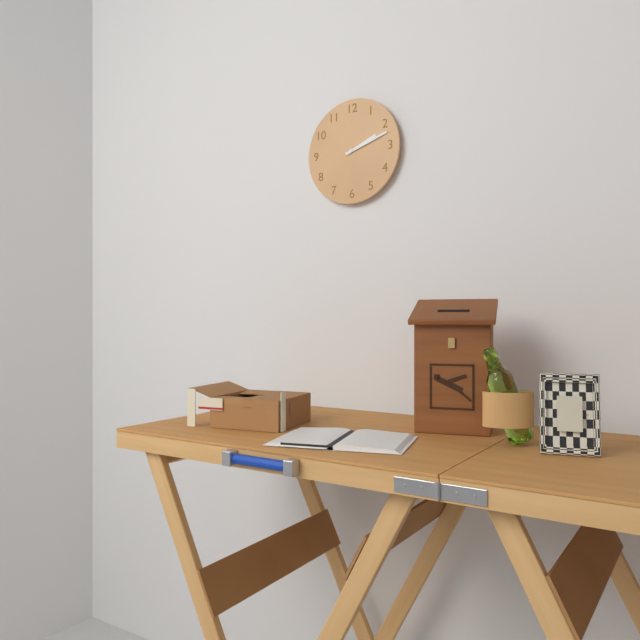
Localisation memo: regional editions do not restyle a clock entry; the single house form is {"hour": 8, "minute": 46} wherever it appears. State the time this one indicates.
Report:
{"hour": 2, "minute": 12}
